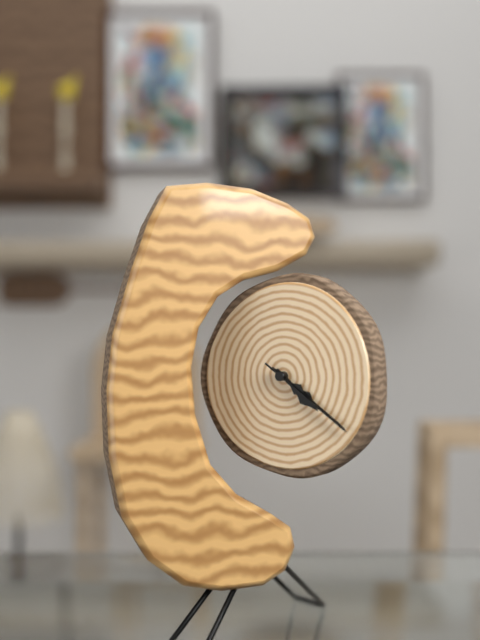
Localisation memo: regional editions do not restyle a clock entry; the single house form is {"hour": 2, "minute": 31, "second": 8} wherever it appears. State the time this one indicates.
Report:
{"hour": 4, "minute": 21, "second": 21}
